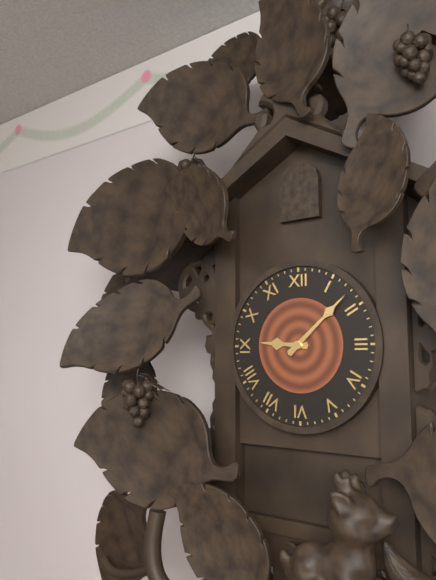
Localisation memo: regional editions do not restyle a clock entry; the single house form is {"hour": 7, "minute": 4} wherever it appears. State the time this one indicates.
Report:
{"hour": 9, "minute": 8}
